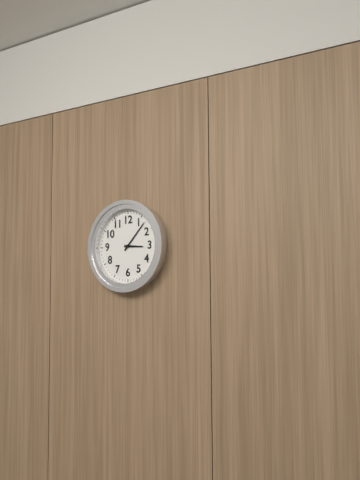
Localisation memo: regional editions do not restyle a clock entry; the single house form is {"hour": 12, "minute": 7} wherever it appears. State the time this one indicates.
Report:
{"hour": 3, "minute": 7}
